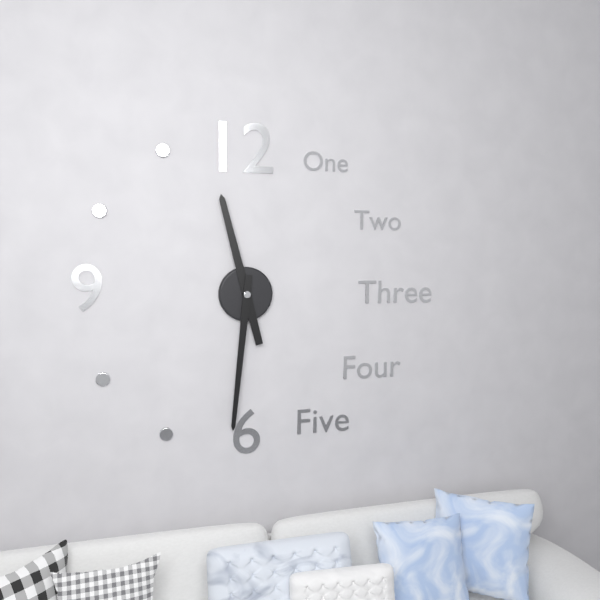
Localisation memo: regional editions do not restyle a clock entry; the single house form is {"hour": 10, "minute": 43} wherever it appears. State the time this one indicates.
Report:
{"hour": 11, "minute": 31}
